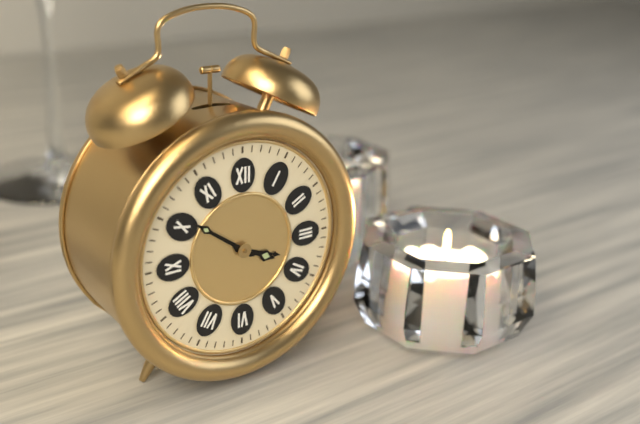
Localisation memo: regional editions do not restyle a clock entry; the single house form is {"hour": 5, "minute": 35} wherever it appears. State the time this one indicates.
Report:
{"hour": 3, "minute": 51}
